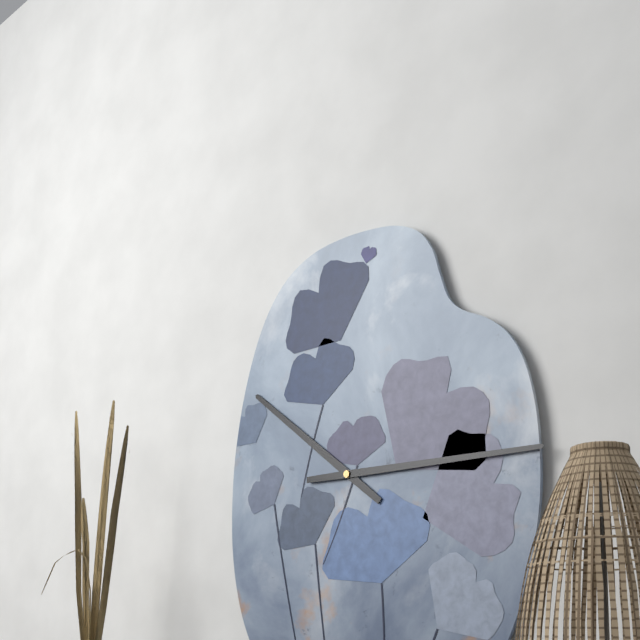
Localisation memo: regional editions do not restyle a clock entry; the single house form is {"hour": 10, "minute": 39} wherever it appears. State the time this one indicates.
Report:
{"hour": 10, "minute": 15}
